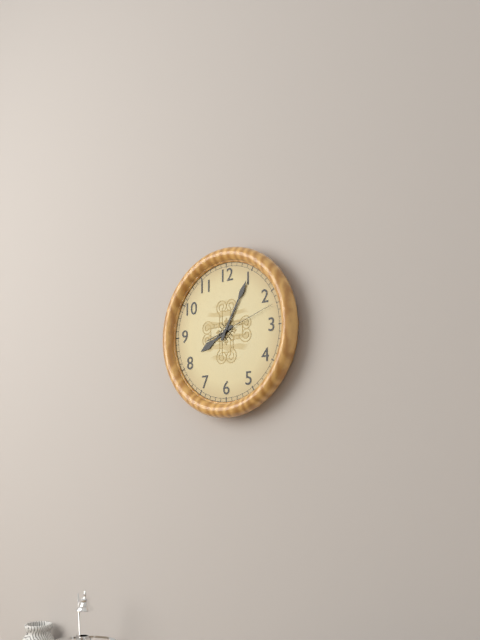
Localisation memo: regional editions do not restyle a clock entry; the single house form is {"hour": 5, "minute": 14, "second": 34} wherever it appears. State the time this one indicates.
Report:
{"hour": 8, "minute": 5, "second": 12}
